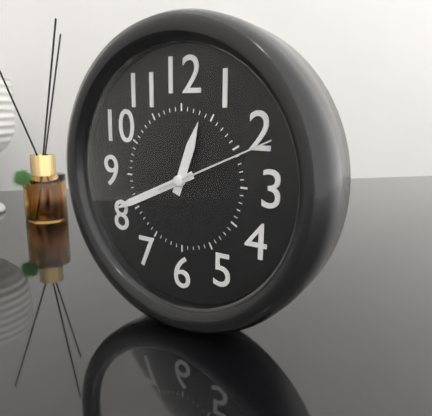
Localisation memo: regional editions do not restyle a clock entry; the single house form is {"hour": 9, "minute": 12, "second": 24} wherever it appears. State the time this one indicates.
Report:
{"hour": 12, "minute": 41, "second": 11}
